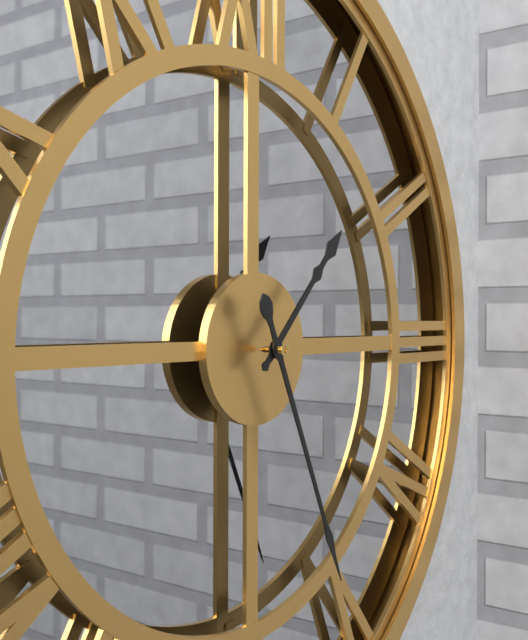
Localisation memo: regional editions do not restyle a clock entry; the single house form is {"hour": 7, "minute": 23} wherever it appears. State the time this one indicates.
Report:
{"hour": 1, "minute": 26}
